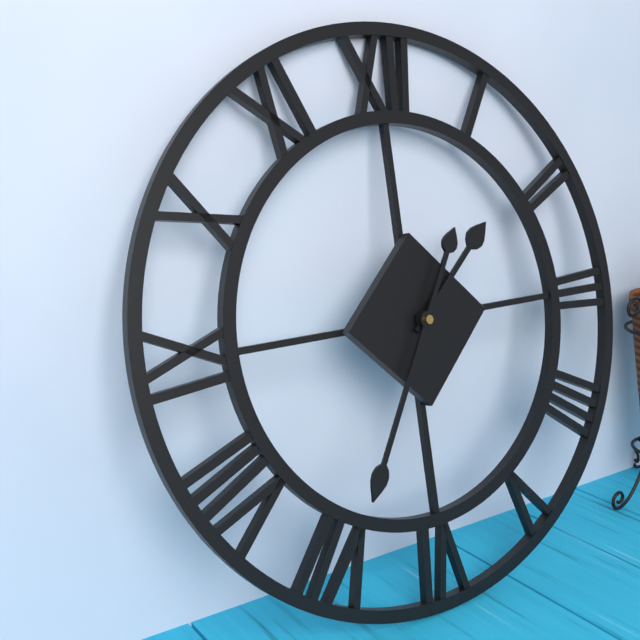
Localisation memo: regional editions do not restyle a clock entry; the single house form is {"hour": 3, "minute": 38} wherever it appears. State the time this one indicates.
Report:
{"hour": 1, "minute": 35}
